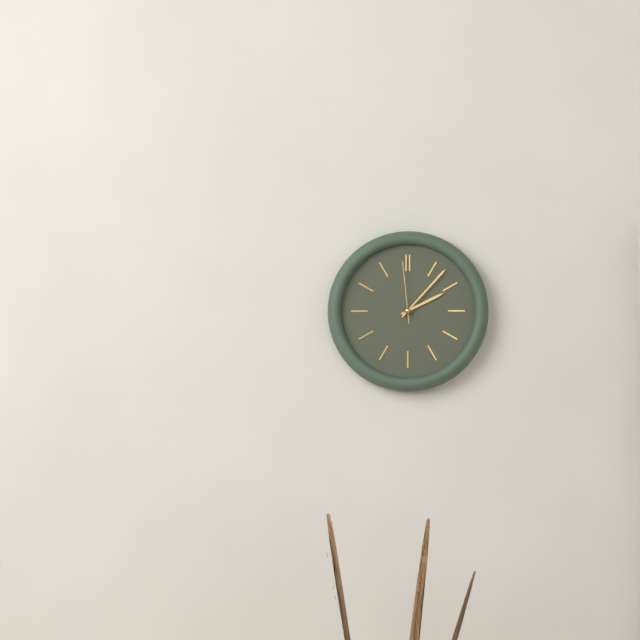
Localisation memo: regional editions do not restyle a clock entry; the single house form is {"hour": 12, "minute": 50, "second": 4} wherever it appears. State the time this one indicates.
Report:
{"hour": 2, "minute": 7, "second": 59}
